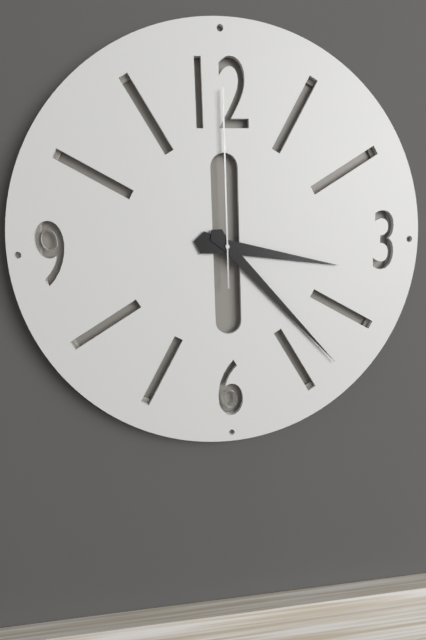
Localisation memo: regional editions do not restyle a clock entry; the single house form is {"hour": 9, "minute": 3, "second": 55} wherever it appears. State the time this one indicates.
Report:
{"hour": 3, "minute": 23, "second": 0}
